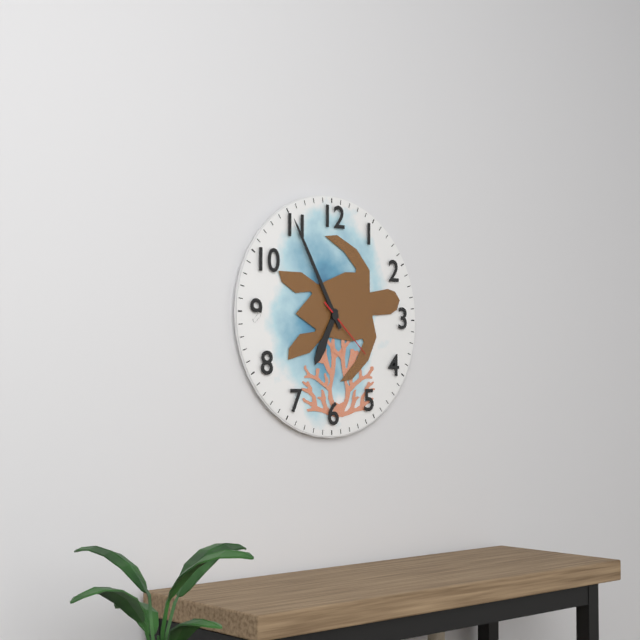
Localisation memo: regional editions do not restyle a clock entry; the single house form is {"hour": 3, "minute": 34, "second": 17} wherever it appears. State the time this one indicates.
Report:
{"hour": 6, "minute": 55, "second": 22}
